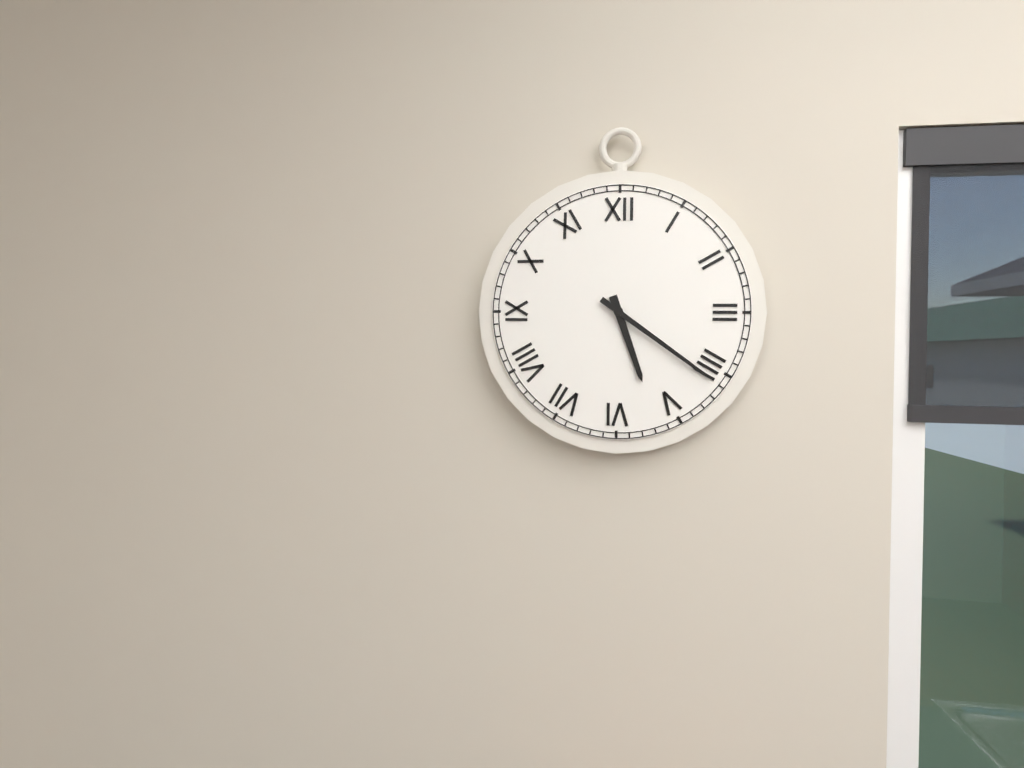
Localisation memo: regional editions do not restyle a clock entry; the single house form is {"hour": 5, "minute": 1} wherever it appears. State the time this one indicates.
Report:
{"hour": 5, "minute": 21}
